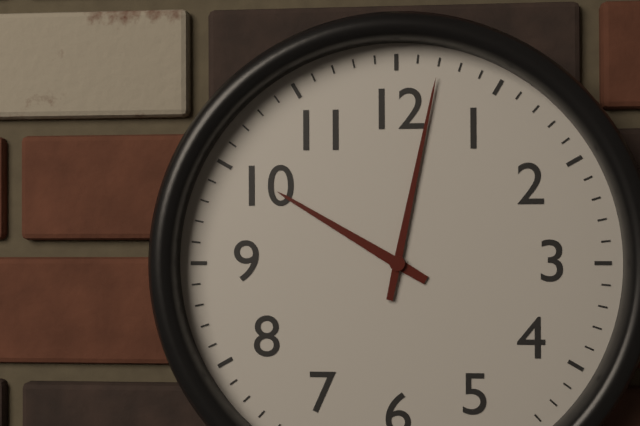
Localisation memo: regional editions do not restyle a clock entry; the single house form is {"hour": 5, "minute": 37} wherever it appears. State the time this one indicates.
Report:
{"hour": 10, "minute": 2}
